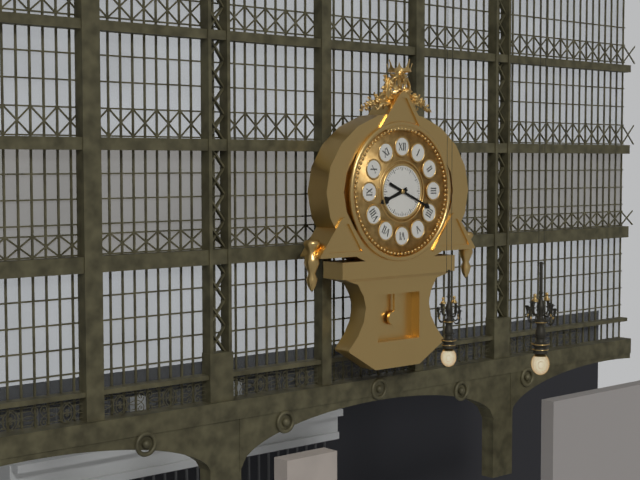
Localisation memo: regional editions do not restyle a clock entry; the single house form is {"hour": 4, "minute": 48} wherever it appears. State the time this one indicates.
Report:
{"hour": 8, "minute": 19}
